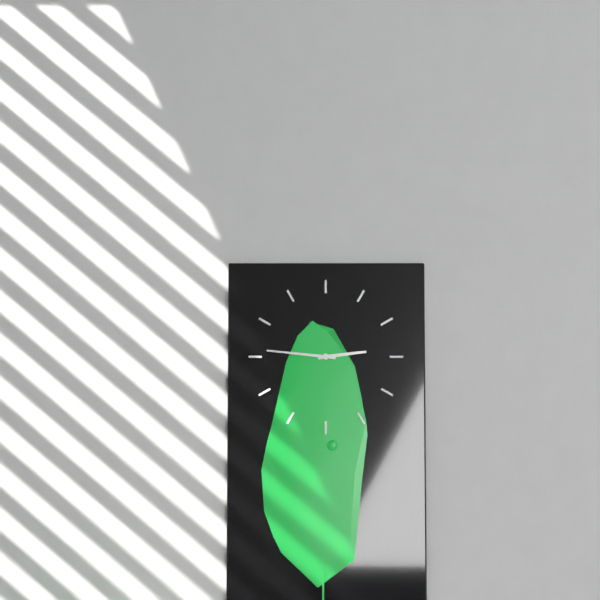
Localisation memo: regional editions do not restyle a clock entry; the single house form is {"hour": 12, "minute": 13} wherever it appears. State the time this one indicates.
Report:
{"hour": 2, "minute": 46}
